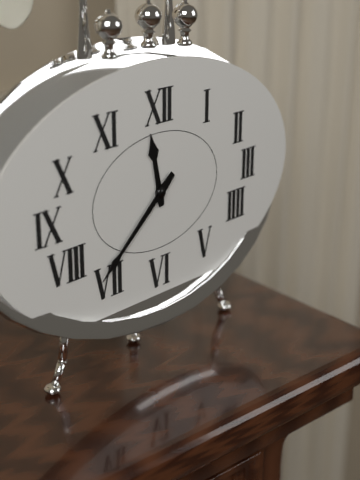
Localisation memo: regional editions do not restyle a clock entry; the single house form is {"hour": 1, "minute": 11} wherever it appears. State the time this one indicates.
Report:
{"hour": 11, "minute": 38}
